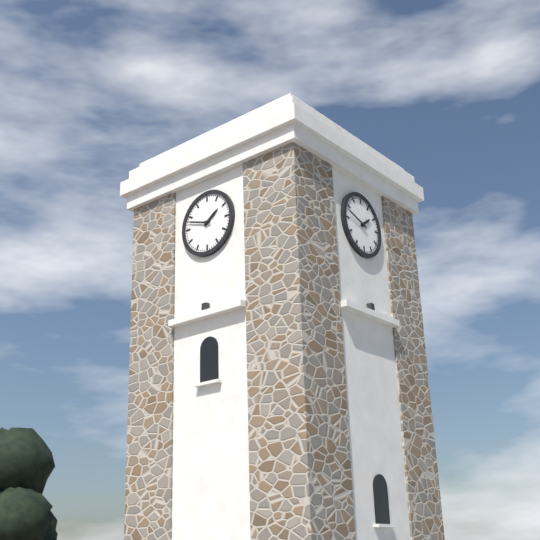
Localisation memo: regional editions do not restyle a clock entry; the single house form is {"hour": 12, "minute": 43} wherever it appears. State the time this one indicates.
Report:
{"hour": 1, "minute": 48}
